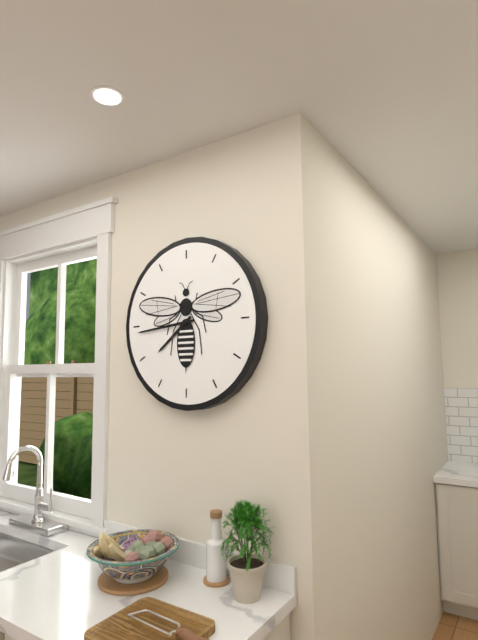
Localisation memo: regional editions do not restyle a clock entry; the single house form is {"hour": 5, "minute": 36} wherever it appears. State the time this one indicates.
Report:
{"hour": 7, "minute": 44}
